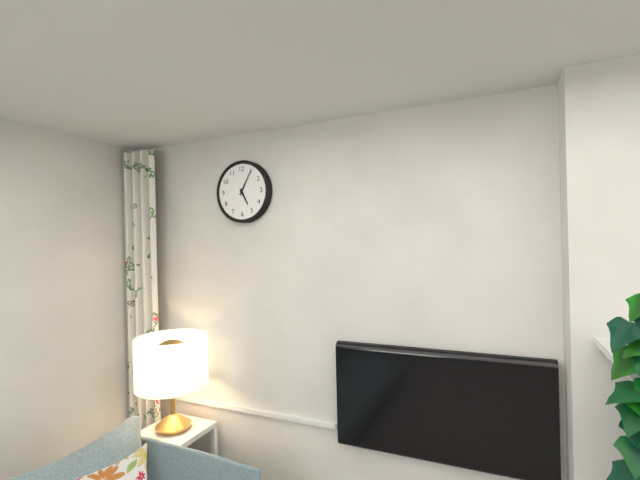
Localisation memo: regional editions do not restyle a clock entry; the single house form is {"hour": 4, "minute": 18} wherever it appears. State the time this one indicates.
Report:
{"hour": 5, "minute": 5}
